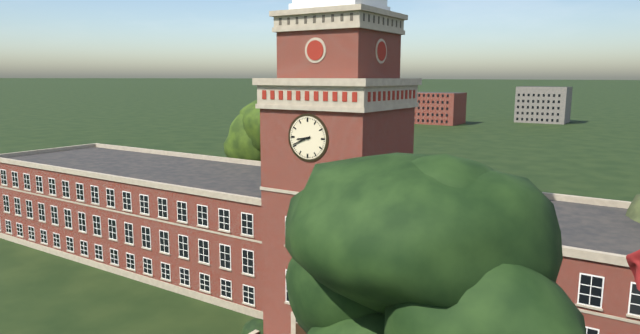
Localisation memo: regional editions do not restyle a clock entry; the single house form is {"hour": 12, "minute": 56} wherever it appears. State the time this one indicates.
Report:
{"hour": 8, "minute": 41}
